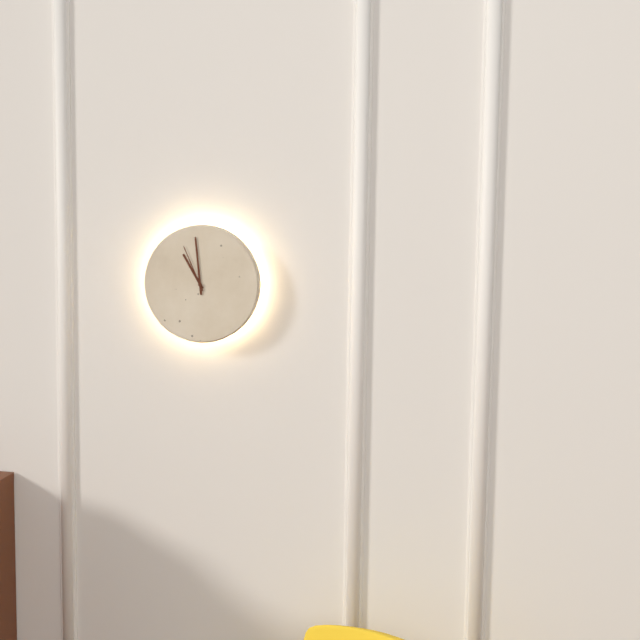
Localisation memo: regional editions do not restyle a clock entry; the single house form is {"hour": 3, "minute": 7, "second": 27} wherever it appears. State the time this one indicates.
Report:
{"hour": 10, "minute": 59, "second": 56}
